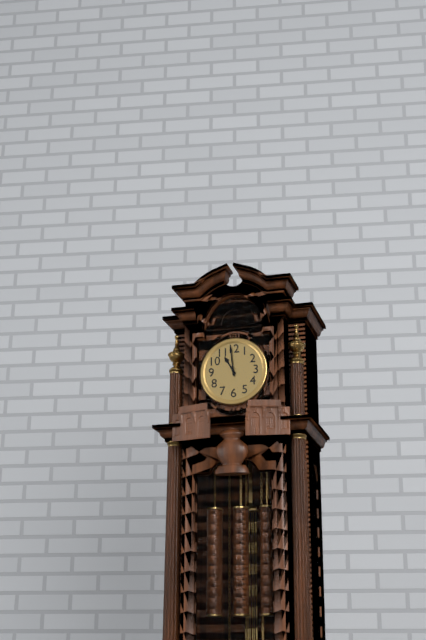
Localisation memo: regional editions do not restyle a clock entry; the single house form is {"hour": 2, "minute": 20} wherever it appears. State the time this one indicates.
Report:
{"hour": 10, "minute": 59}
